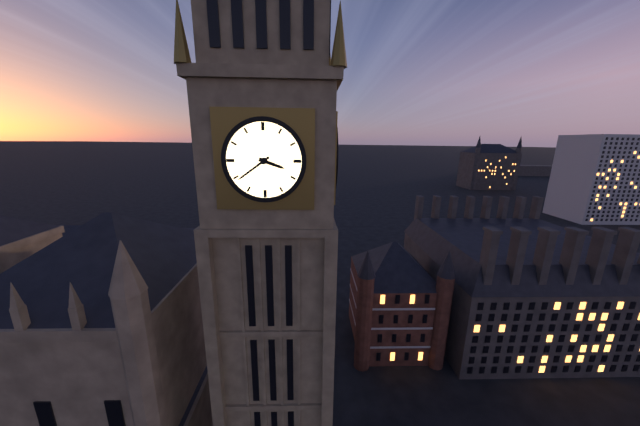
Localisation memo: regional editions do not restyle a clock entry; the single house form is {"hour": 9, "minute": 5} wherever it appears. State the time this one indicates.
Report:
{"hour": 3, "minute": 39}
